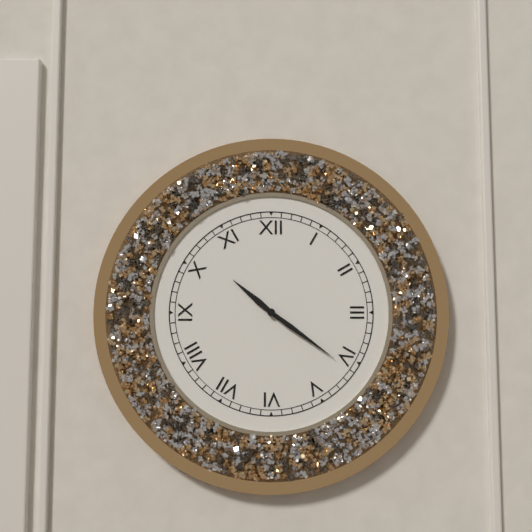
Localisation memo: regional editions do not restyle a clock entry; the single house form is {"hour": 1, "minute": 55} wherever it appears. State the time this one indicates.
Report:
{"hour": 10, "minute": 21}
